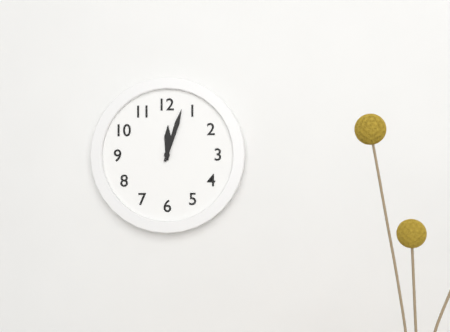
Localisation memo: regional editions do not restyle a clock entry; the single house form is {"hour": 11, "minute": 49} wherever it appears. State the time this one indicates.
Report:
{"hour": 12, "minute": 3}
